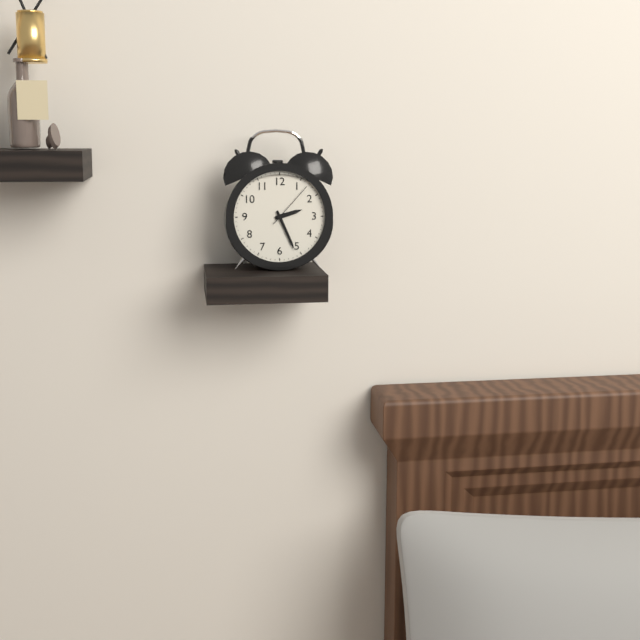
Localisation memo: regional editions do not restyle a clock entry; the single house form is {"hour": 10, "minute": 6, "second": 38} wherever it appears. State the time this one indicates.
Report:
{"hour": 2, "minute": 26, "second": 7}
